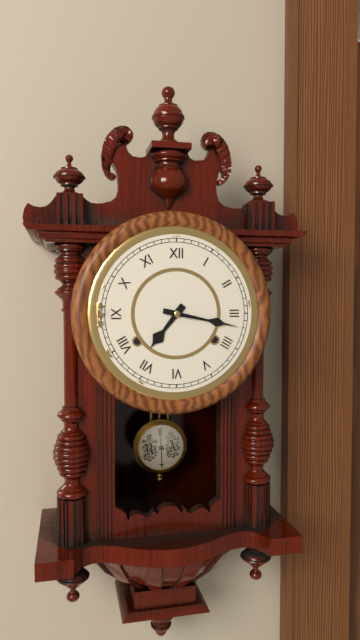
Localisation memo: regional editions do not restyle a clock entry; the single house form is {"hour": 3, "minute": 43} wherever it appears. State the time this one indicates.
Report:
{"hour": 7, "minute": 17}
